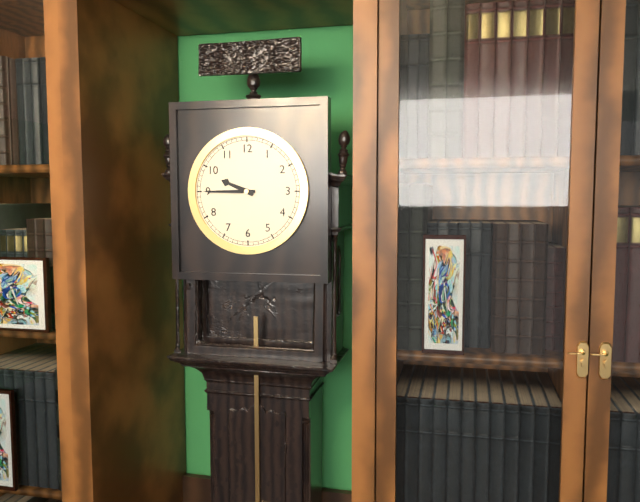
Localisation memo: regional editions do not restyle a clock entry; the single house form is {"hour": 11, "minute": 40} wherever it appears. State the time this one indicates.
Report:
{"hour": 9, "minute": 45}
